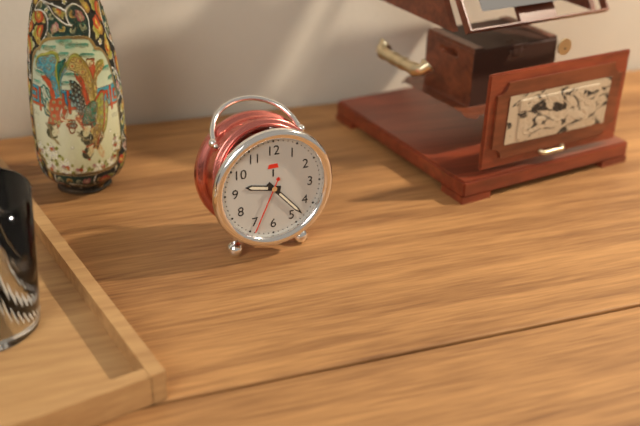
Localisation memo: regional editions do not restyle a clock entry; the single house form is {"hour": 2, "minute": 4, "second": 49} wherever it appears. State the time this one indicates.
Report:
{"hour": 9, "minute": 23, "second": 34}
